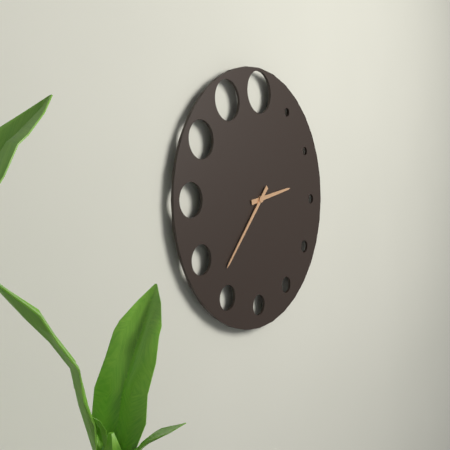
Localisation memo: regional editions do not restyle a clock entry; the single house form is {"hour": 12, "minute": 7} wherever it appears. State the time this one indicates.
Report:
{"hour": 2, "minute": 37}
